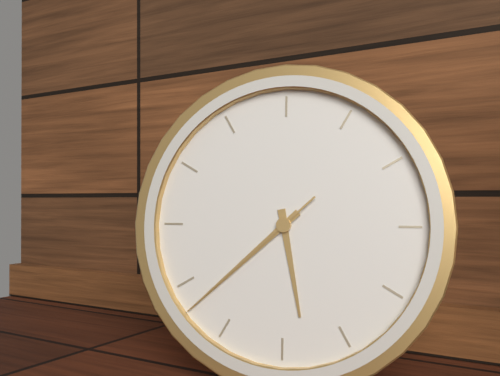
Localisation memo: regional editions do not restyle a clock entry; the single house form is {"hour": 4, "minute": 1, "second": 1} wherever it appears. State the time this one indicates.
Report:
{"hour": 5, "minute": 38, "second": 38}
